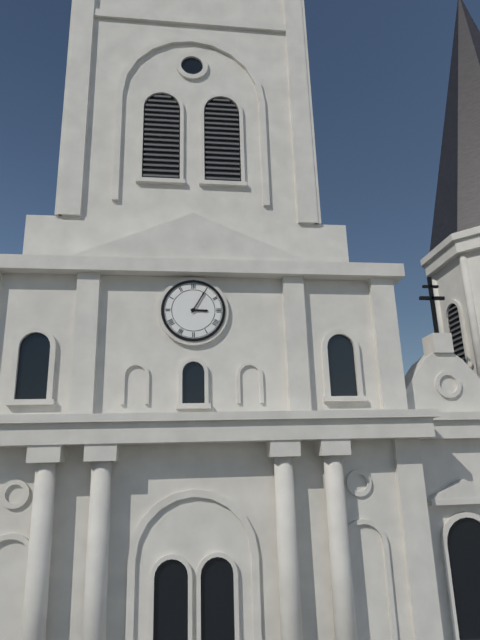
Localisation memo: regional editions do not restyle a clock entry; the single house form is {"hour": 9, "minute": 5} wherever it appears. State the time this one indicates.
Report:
{"hour": 3, "minute": 5}
